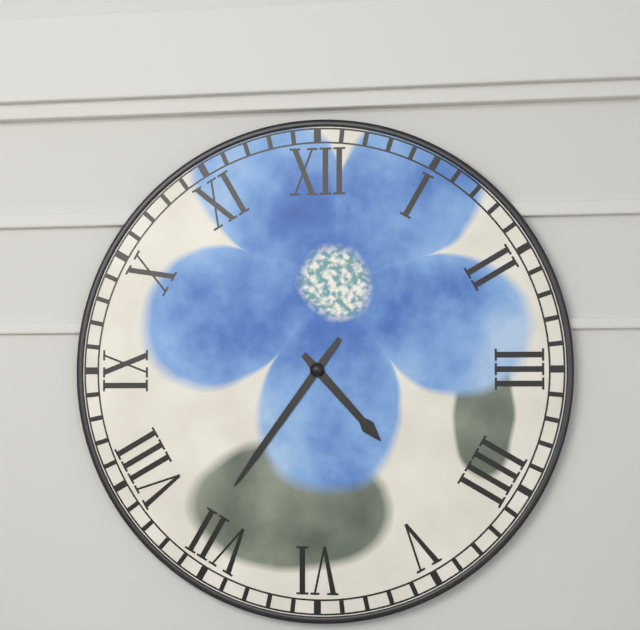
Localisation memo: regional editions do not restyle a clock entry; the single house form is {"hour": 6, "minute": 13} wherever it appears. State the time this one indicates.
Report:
{"hour": 4, "minute": 36}
